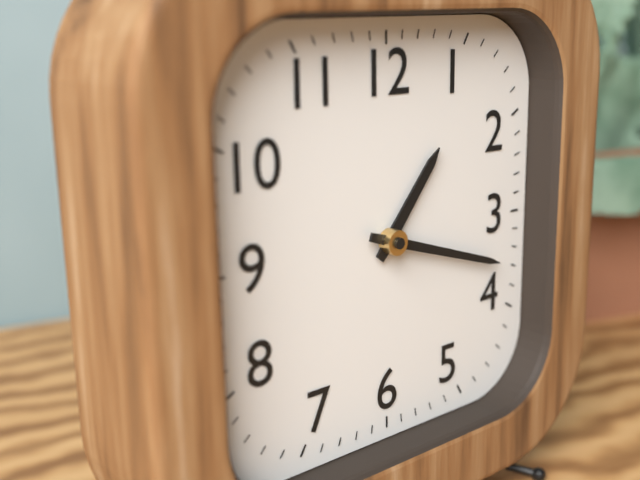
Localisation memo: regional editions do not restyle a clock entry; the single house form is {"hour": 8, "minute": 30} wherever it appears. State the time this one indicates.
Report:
{"hour": 1, "minute": 18}
